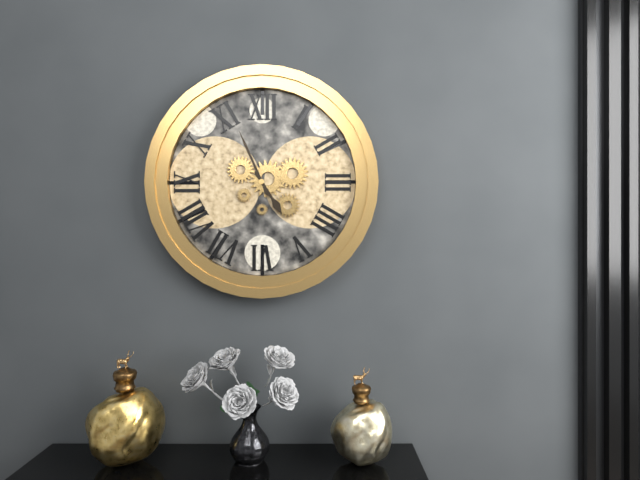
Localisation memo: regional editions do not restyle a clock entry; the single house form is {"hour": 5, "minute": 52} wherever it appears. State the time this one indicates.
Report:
{"hour": 4, "minute": 56}
